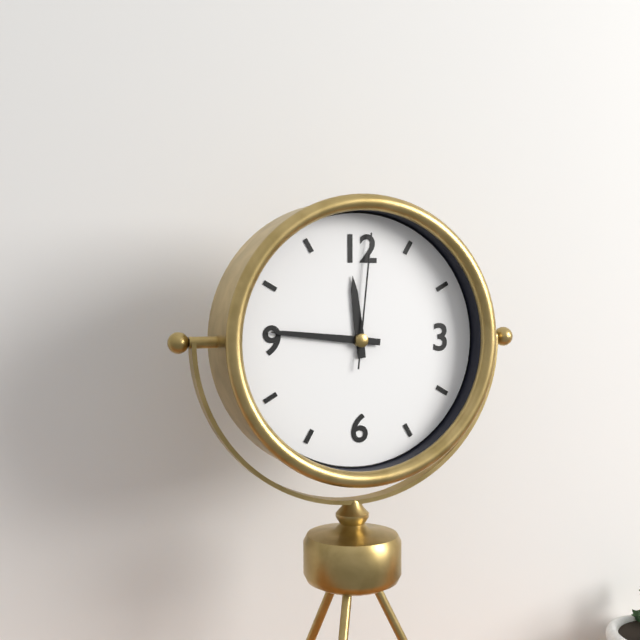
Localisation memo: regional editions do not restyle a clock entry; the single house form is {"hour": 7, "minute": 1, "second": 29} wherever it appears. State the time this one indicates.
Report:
{"hour": 11, "minute": 46, "second": 1}
